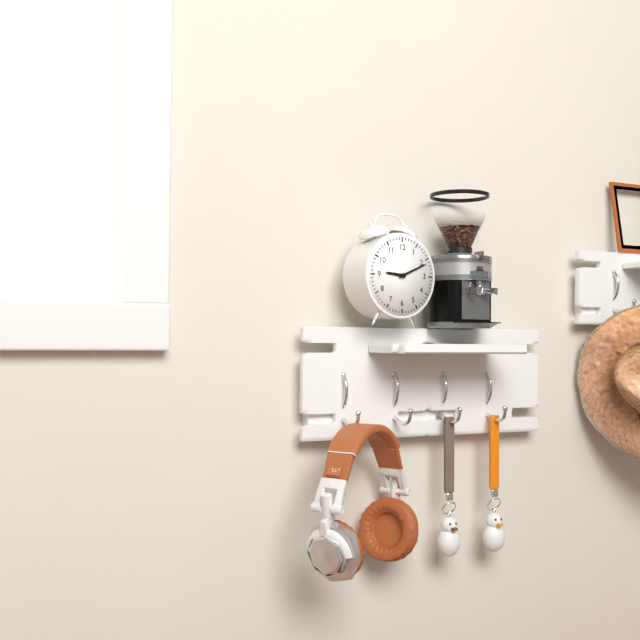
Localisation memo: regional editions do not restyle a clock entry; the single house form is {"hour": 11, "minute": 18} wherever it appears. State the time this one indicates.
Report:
{"hour": 9, "minute": 11}
